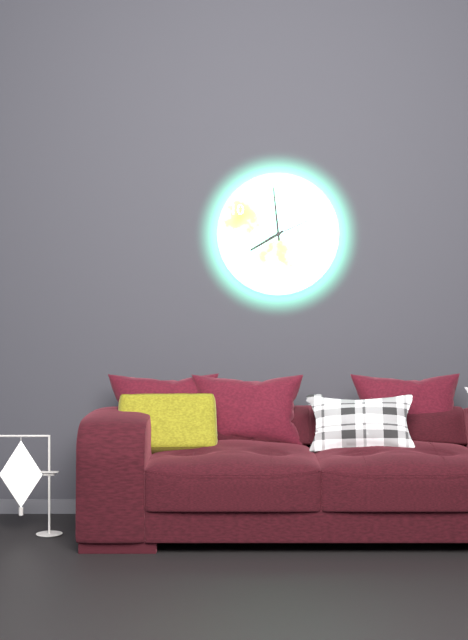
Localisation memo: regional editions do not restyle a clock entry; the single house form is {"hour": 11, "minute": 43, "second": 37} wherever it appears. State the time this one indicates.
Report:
{"hour": 7, "minute": 59, "second": 11}
